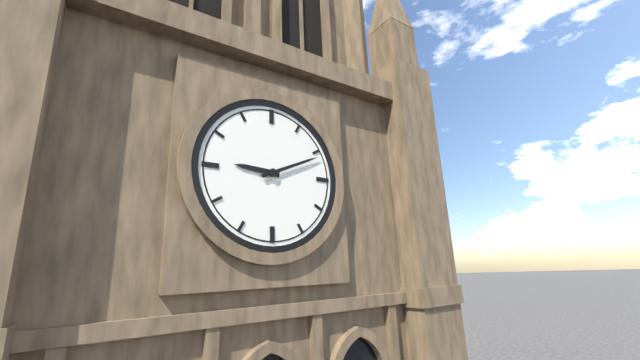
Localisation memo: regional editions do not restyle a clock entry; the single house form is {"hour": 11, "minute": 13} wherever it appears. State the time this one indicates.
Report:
{"hour": 9, "minute": 11}
